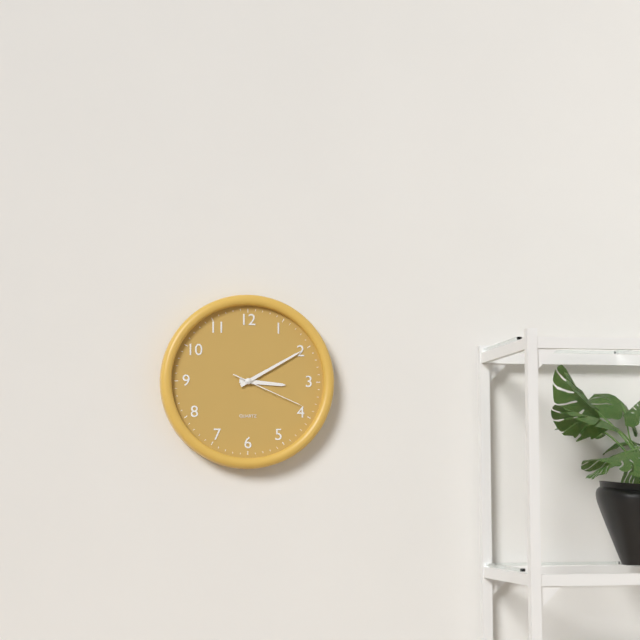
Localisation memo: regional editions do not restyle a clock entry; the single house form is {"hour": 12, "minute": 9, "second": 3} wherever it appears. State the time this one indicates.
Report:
{"hour": 3, "minute": 10, "second": 19}
